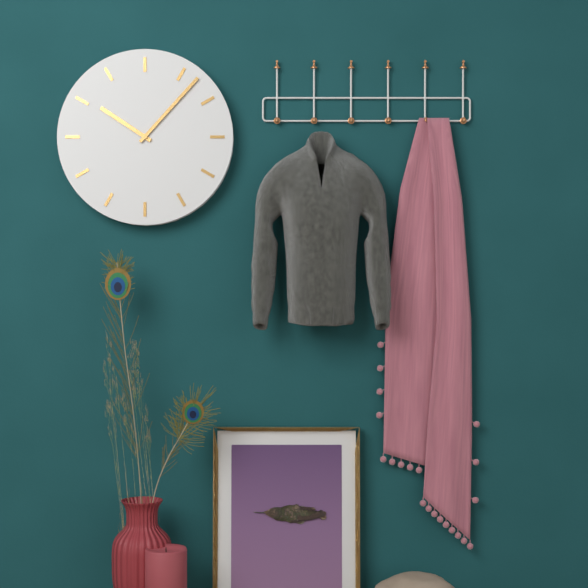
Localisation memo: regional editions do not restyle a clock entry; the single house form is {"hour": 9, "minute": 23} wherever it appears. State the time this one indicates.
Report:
{"hour": 10, "minute": 7}
